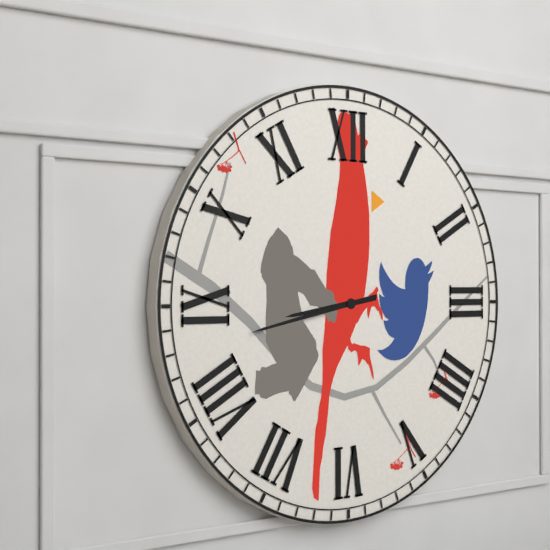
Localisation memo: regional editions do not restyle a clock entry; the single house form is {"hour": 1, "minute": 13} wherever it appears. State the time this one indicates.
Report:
{"hour": 8, "minute": 43}
